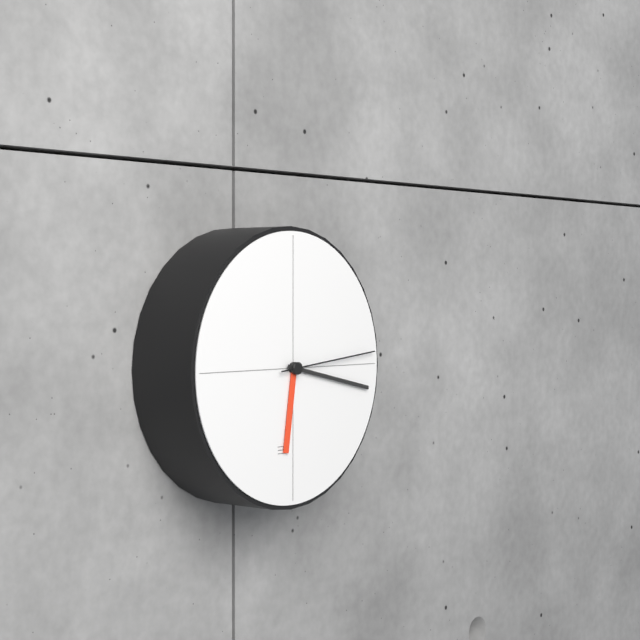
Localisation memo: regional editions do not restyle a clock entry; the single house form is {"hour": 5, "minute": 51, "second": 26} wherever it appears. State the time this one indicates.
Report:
{"hour": 6, "minute": 17, "second": 14}
